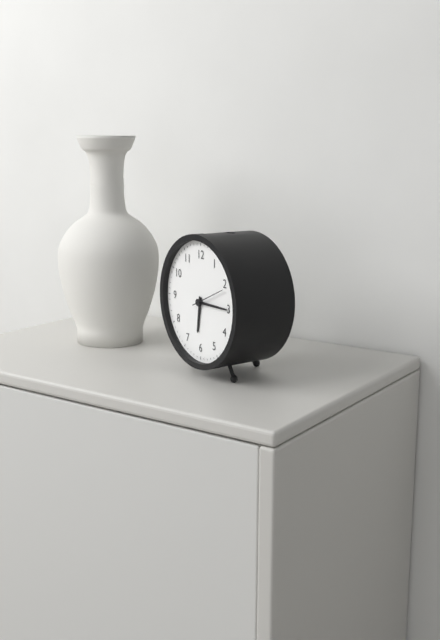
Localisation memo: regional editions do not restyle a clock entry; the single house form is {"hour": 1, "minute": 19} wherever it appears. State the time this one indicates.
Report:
{"hour": 6, "minute": 15}
